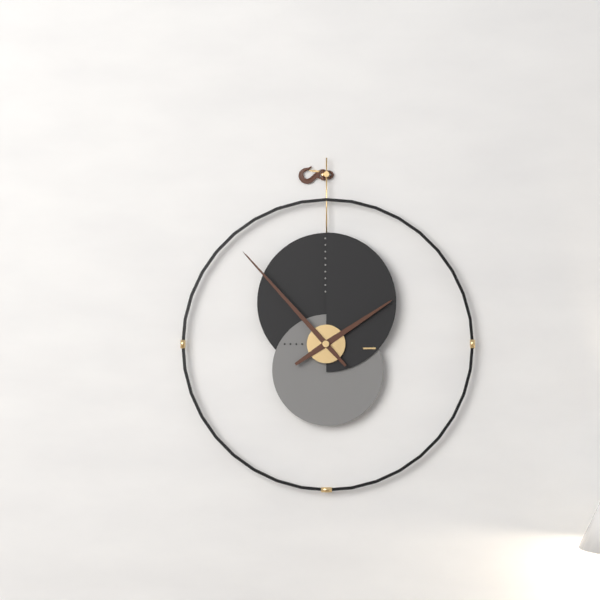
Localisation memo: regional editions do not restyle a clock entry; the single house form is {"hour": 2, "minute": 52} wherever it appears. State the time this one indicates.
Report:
{"hour": 1, "minute": 53}
